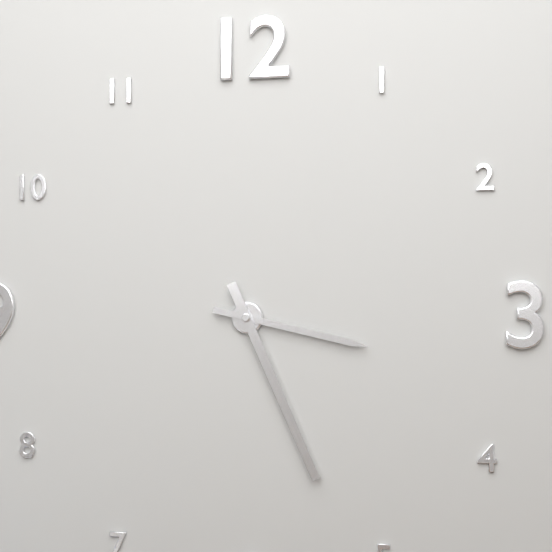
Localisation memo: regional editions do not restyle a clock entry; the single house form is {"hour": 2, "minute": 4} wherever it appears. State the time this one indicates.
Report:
{"hour": 3, "minute": 26}
